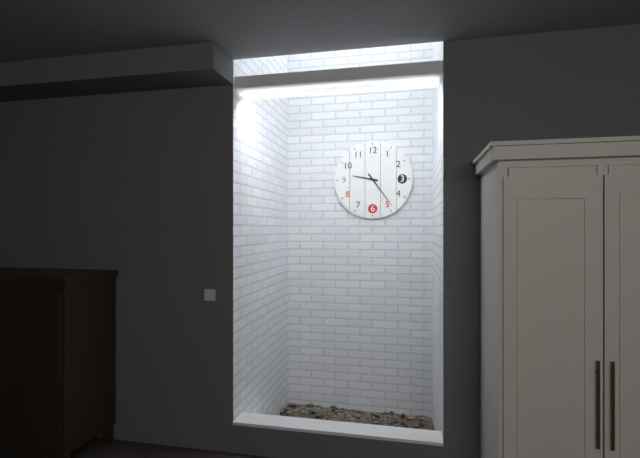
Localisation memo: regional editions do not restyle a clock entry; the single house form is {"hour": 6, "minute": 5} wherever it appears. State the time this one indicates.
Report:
{"hour": 9, "minute": 24}
